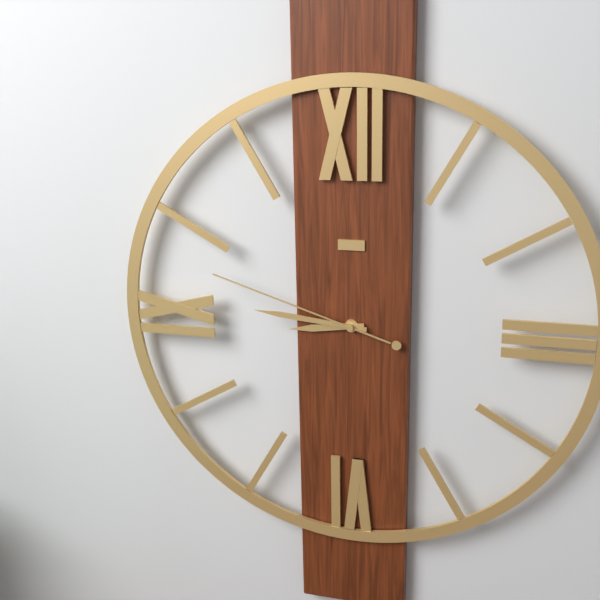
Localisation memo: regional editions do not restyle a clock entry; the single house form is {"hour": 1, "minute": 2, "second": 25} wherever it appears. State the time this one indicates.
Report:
{"hour": 8, "minute": 46, "second": 48}
